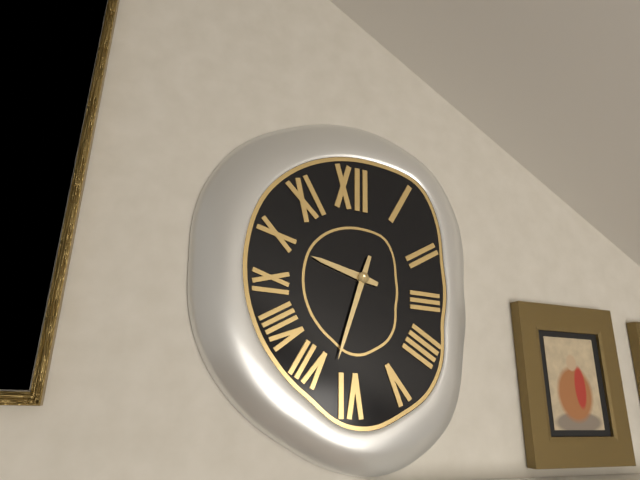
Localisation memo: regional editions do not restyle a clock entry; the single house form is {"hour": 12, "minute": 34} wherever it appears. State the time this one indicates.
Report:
{"hour": 9, "minute": 33}
